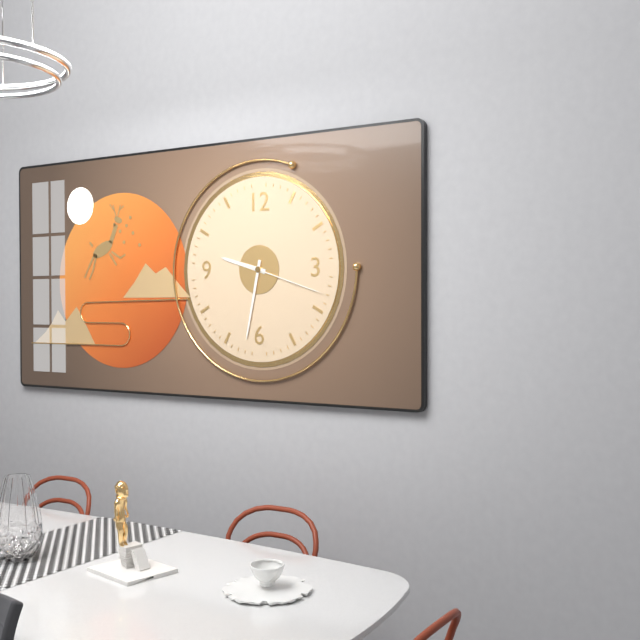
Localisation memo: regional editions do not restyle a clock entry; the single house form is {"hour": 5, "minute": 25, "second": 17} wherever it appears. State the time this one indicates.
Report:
{"hour": 9, "minute": 32, "second": 18}
